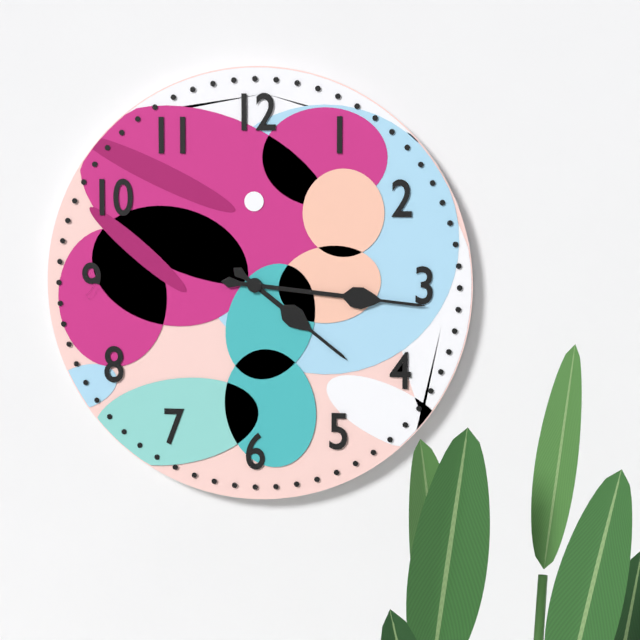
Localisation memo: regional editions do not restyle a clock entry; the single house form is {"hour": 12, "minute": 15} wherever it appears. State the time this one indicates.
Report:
{"hour": 4, "minute": 16}
